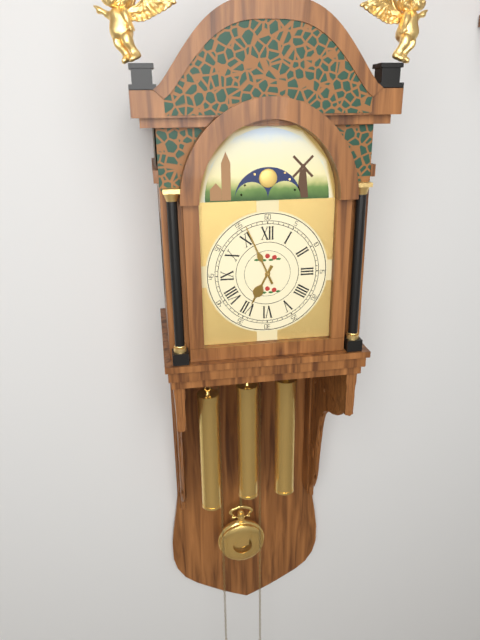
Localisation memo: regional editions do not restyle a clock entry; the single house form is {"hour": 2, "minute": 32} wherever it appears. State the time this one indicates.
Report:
{"hour": 6, "minute": 56}
